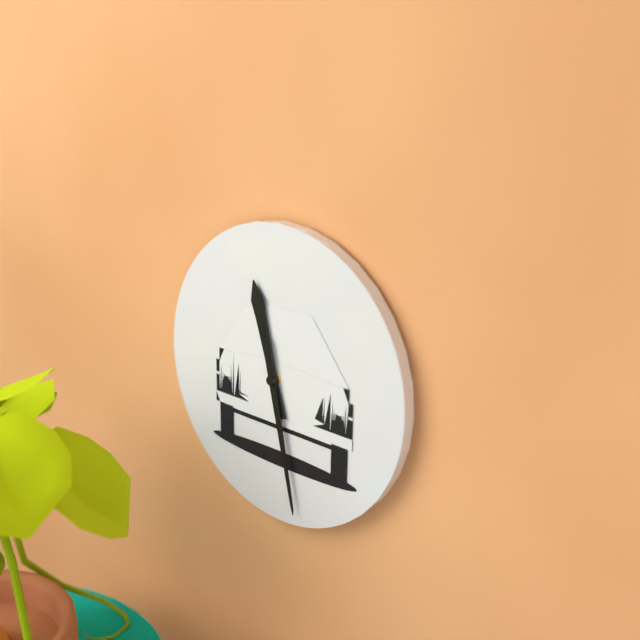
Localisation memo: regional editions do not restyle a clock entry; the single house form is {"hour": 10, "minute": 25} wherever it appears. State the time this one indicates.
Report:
{"hour": 11, "minute": 28}
